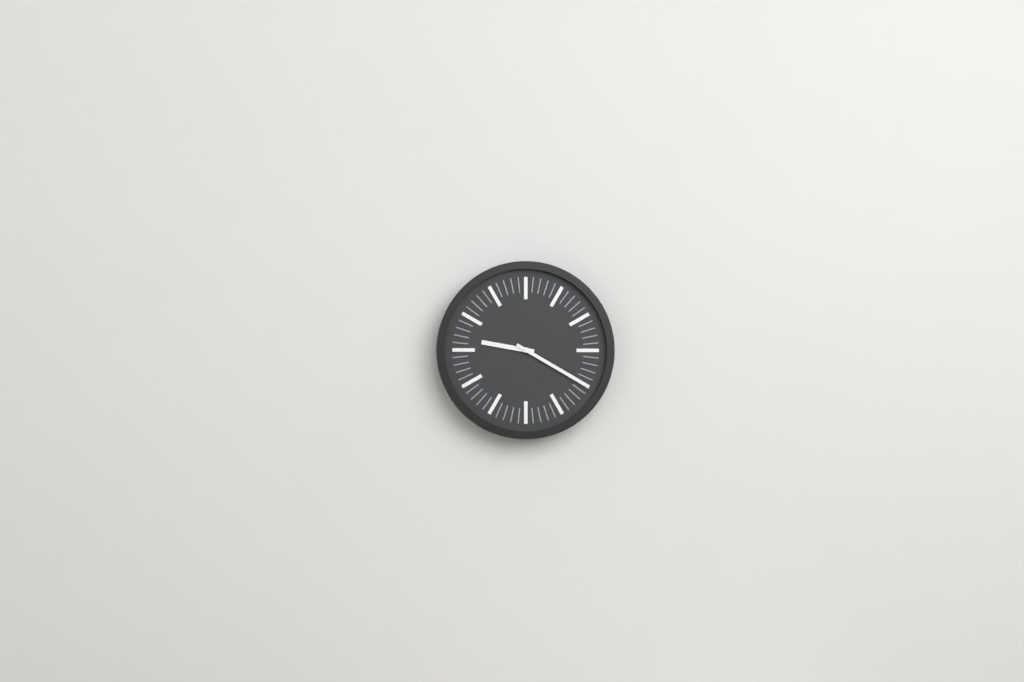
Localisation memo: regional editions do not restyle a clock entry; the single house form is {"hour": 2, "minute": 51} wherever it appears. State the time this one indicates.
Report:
{"hour": 9, "minute": 20}
